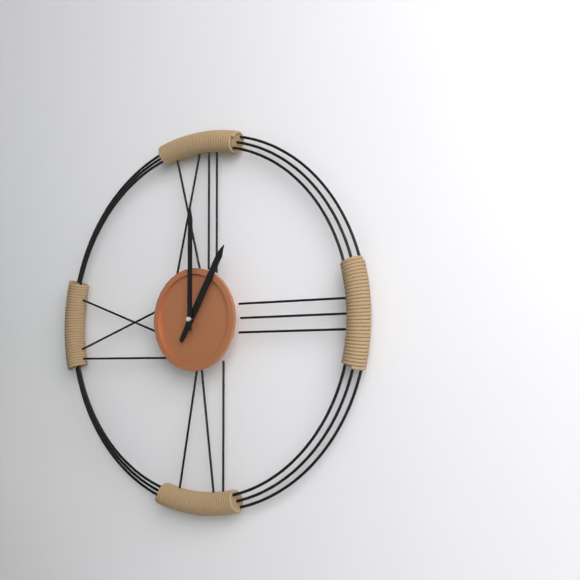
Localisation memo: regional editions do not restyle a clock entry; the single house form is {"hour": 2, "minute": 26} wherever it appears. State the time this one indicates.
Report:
{"hour": 1, "minute": 0}
